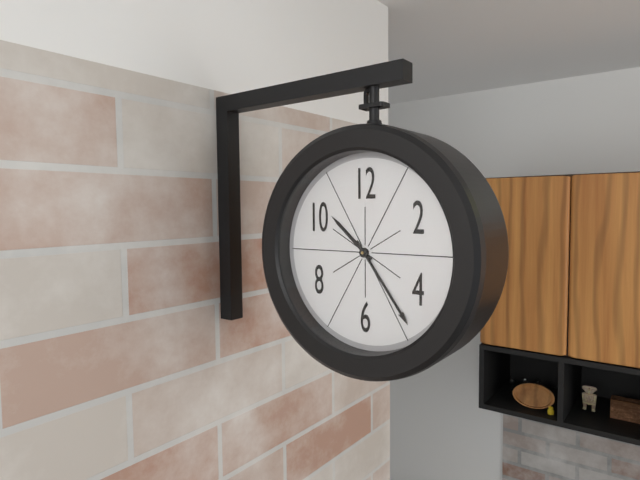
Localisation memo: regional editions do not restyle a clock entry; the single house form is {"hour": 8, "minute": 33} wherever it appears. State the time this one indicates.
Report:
{"hour": 10, "minute": 24}
